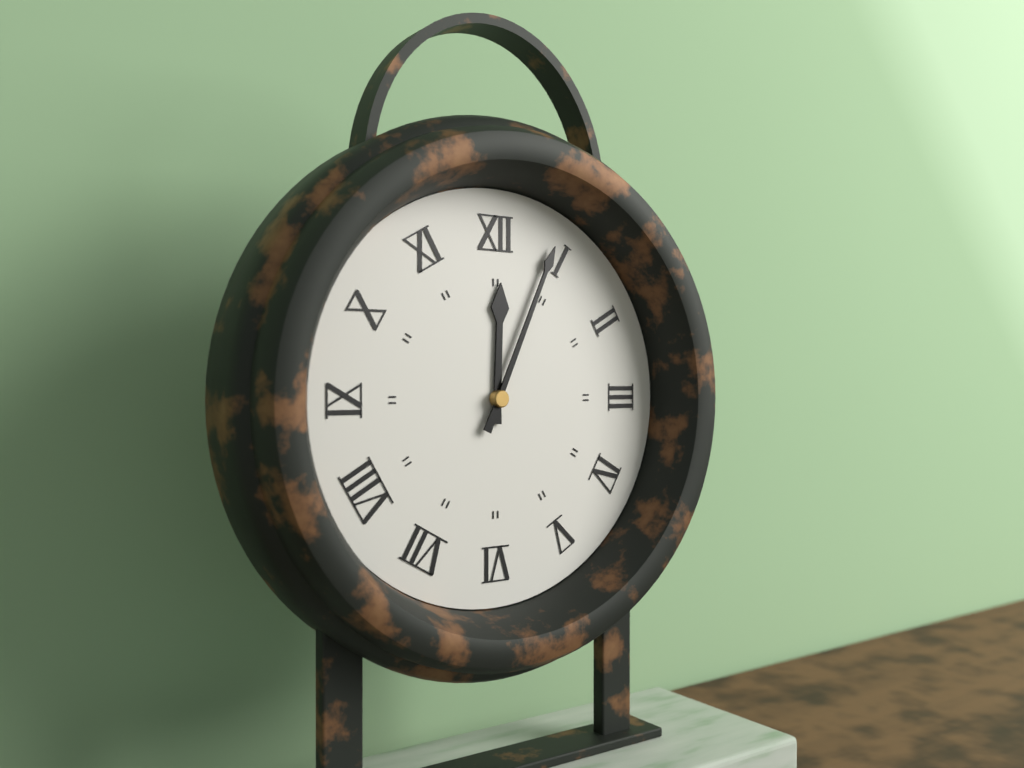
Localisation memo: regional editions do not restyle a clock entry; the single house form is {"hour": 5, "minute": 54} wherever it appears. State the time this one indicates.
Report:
{"hour": 12, "minute": 4}
